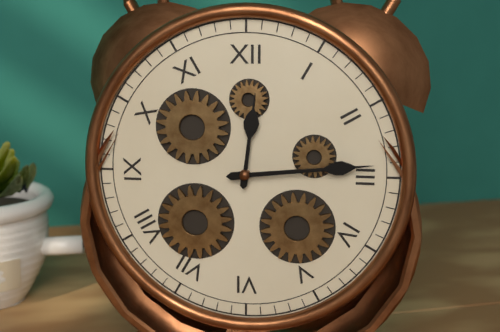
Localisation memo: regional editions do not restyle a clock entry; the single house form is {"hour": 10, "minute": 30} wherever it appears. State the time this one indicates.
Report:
{"hour": 12, "minute": 14}
